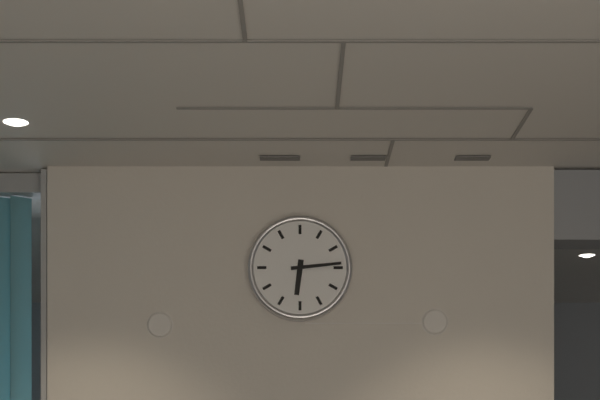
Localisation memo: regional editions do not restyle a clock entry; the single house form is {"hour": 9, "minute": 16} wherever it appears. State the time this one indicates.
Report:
{"hour": 6, "minute": 14}
